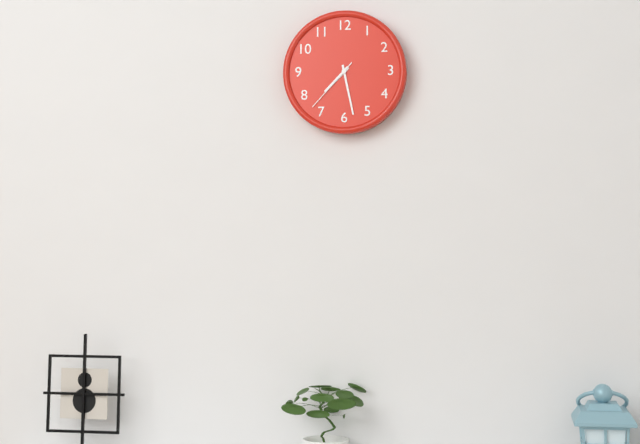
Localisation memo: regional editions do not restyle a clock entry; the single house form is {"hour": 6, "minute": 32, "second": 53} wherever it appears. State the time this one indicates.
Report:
{"hour": 7, "minute": 28, "second": 37}
